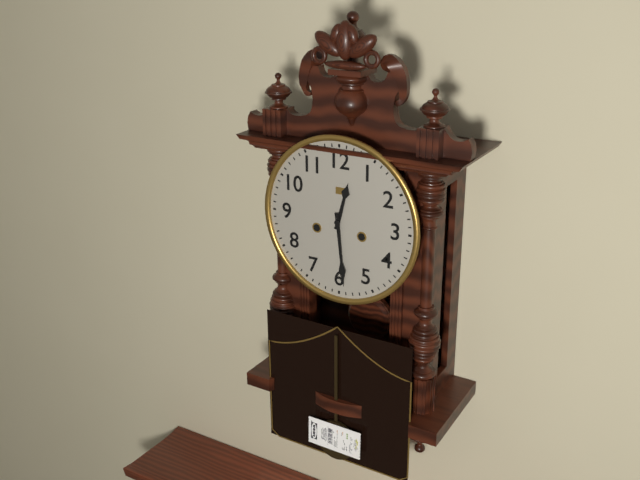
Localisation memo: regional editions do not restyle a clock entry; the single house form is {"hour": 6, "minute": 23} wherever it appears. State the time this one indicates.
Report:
{"hour": 12, "minute": 29}
